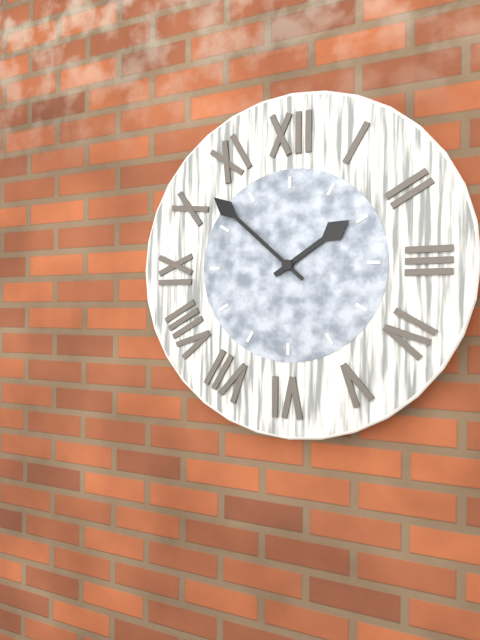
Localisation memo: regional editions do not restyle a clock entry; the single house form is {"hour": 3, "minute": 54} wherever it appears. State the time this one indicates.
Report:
{"hour": 1, "minute": 52}
